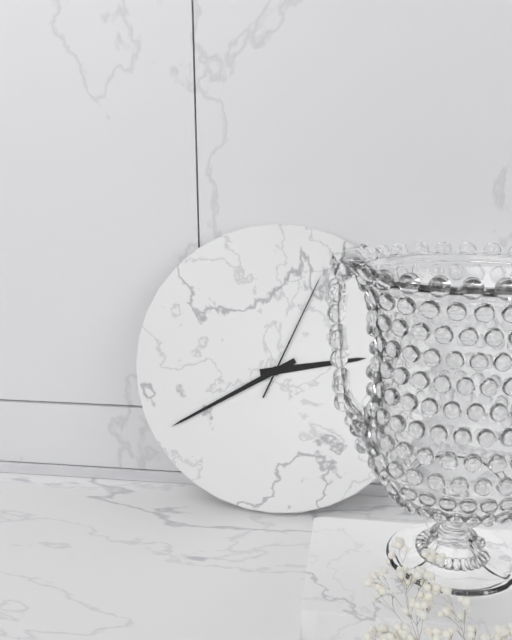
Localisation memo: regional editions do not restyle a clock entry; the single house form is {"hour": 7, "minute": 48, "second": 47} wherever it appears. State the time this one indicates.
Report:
{"hour": 2, "minute": 40, "second": 4}
